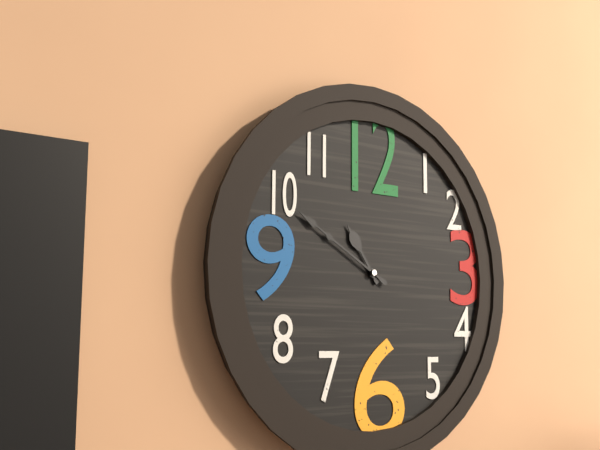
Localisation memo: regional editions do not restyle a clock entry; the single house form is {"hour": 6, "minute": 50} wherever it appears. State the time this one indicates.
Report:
{"hour": 10, "minute": 50}
